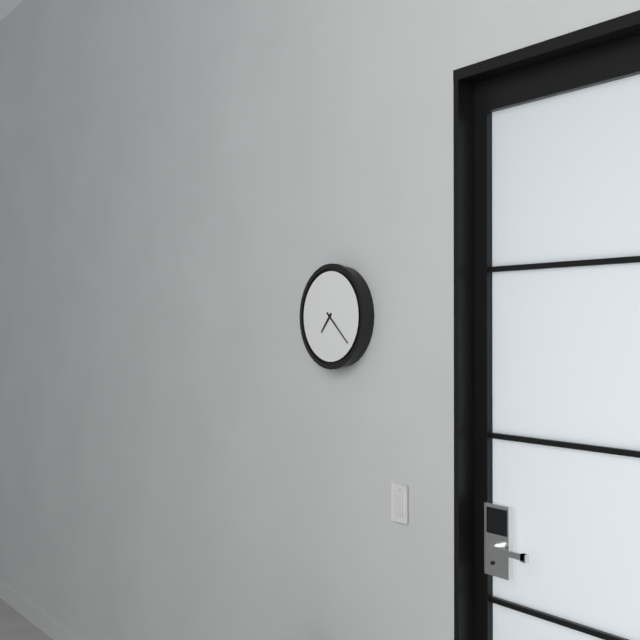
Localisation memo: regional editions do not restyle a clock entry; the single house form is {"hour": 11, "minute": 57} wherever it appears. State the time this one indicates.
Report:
{"hour": 7, "minute": 22}
